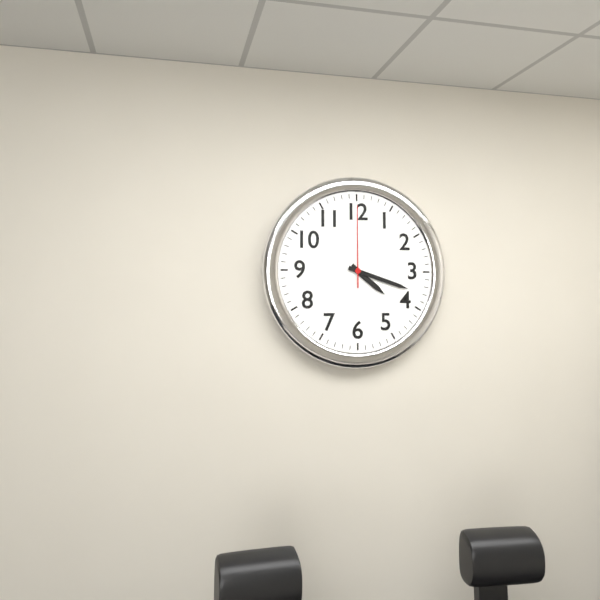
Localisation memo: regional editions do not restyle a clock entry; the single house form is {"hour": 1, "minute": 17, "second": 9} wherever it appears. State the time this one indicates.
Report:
{"hour": 4, "minute": 18, "second": 0}
